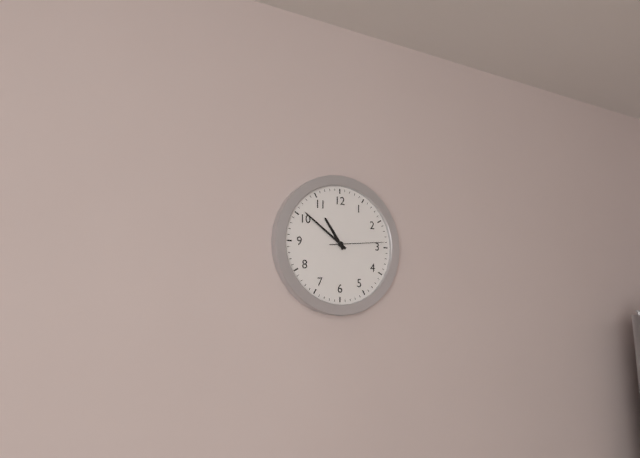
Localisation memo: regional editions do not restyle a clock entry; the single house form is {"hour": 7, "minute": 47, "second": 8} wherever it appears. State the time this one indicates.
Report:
{"hour": 10, "minute": 51, "second": 14}
